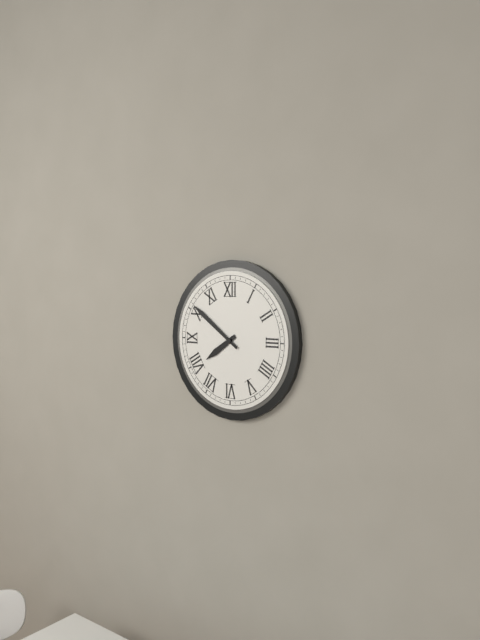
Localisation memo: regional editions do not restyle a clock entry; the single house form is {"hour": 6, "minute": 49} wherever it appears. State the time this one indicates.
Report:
{"hour": 7, "minute": 51}
